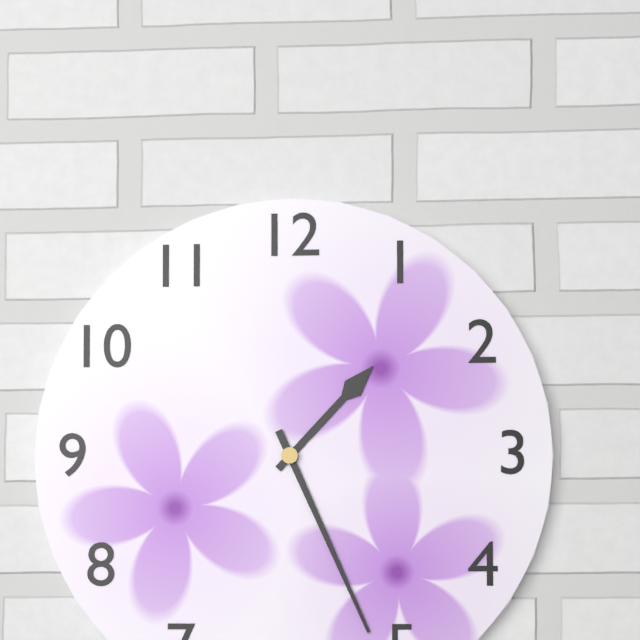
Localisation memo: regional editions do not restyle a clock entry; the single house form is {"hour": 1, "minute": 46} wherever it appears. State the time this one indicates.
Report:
{"hour": 1, "minute": 26}
